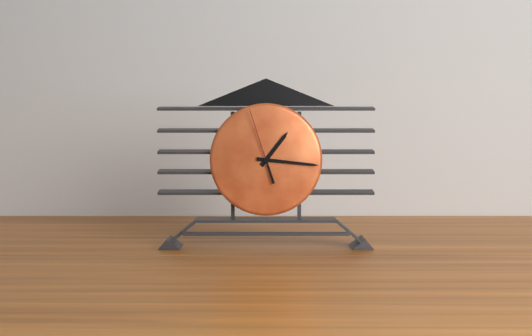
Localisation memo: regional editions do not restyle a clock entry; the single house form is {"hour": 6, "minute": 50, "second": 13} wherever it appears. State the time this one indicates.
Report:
{"hour": 1, "minute": 16, "second": 57}
